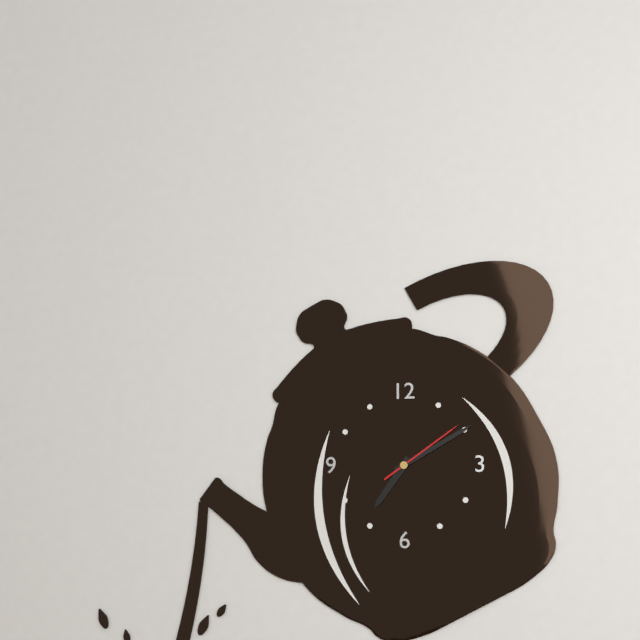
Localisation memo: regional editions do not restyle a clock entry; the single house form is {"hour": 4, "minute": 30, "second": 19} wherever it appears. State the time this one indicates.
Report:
{"hour": 7, "minute": 10, "second": 9}
